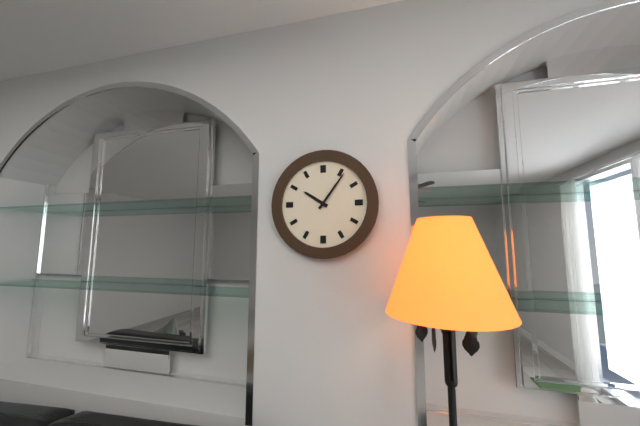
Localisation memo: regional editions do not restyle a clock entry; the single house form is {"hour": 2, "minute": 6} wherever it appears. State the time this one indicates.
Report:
{"hour": 10, "minute": 6}
